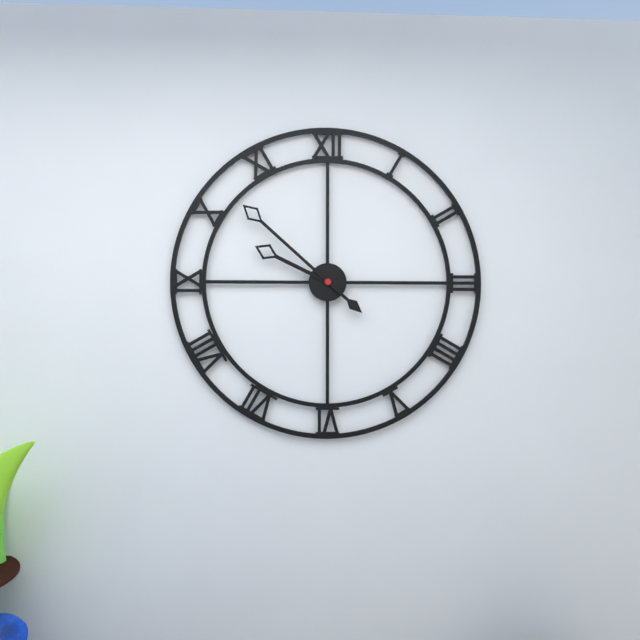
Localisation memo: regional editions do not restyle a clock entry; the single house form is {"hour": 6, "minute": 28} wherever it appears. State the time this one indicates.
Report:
{"hour": 9, "minute": 52}
